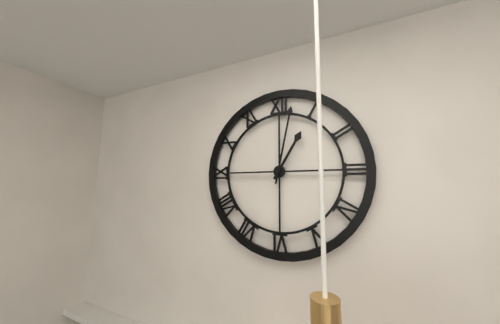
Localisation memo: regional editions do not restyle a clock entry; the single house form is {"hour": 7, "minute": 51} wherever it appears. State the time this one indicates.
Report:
{"hour": 1, "minute": 2}
